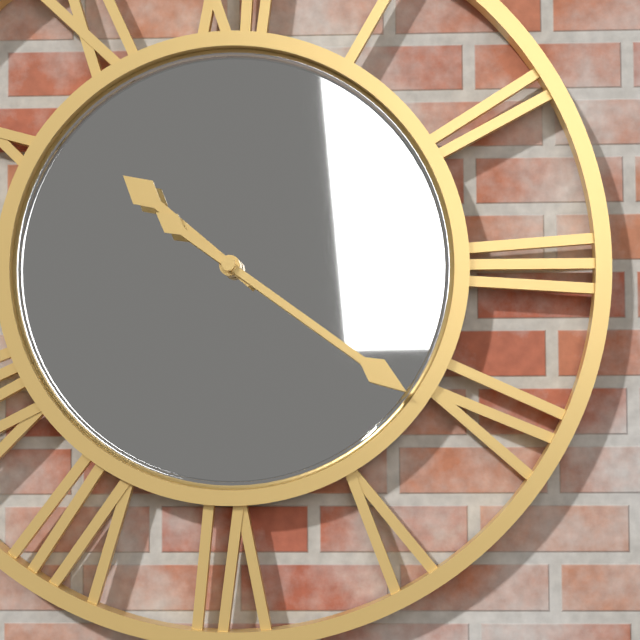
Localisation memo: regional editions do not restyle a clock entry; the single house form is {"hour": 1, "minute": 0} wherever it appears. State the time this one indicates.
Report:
{"hour": 10, "minute": 21}
